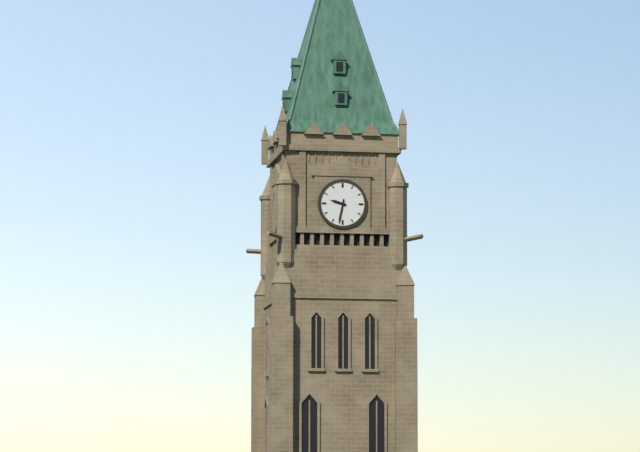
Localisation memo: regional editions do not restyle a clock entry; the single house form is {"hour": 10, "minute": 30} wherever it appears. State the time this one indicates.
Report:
{"hour": 9, "minute": 32}
